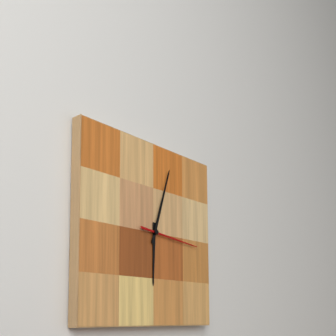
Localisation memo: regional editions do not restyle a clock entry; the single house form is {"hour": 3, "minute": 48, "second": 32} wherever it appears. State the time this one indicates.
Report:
{"hour": 6, "minute": 3, "second": 16}
